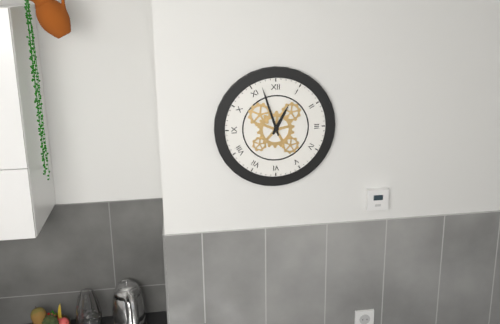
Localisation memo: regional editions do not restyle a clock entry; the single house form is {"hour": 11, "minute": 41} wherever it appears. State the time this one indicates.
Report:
{"hour": 12, "minute": 57}
